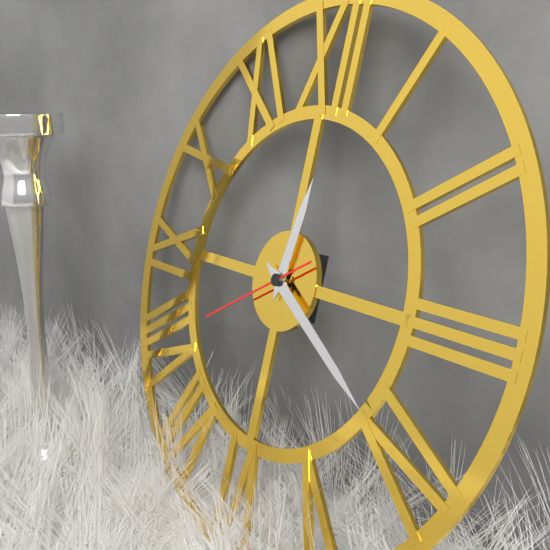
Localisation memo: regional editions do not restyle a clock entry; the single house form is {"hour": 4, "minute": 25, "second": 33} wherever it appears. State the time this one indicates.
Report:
{"hour": 12, "minute": 20, "second": 40}
